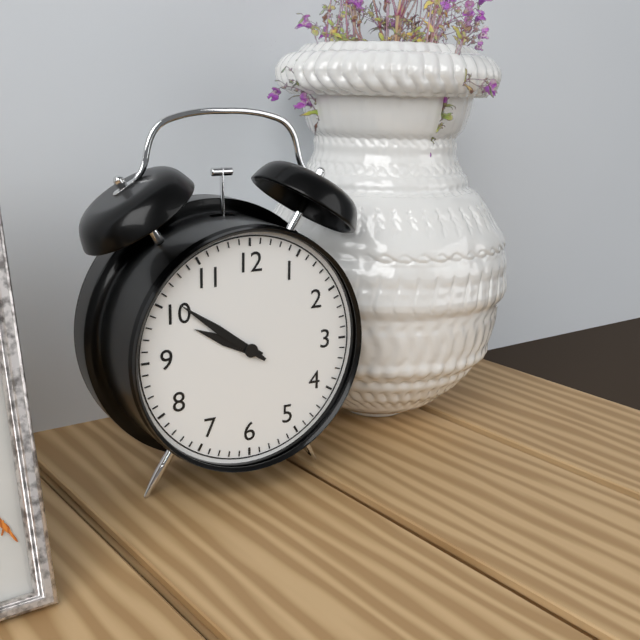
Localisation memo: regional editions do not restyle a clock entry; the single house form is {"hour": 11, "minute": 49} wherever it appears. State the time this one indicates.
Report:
{"hour": 9, "minute": 51}
